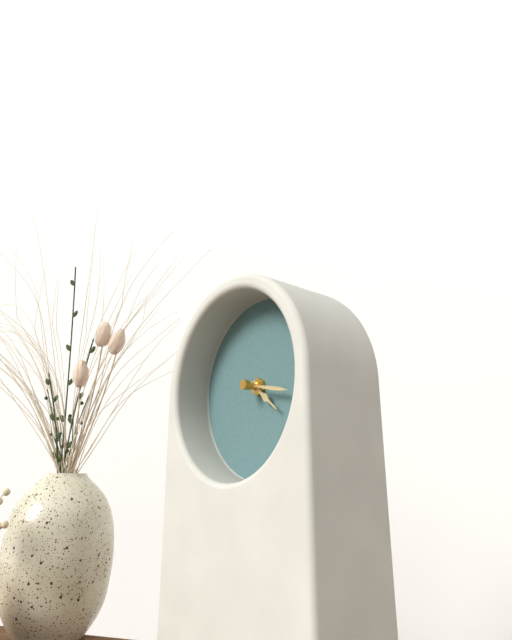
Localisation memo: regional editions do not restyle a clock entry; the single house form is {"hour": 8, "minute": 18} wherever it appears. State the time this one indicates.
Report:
{"hour": 4, "minute": 17}
